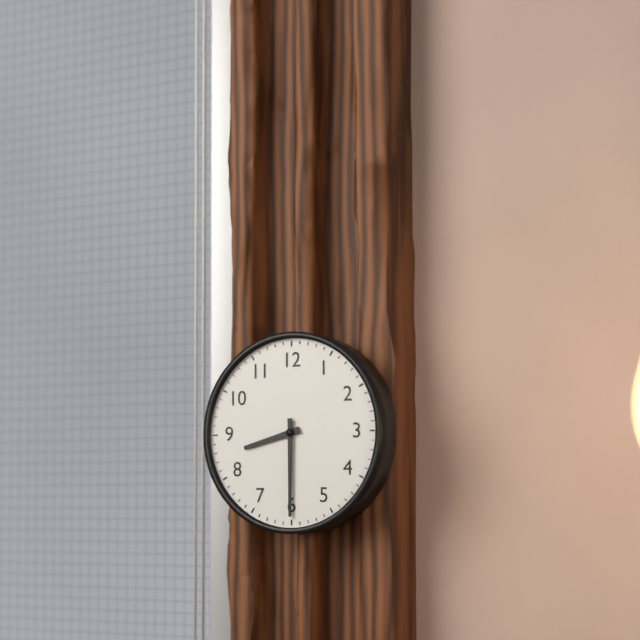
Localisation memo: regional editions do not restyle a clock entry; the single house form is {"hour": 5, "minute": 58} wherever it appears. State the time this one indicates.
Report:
{"hour": 8, "minute": 30}
